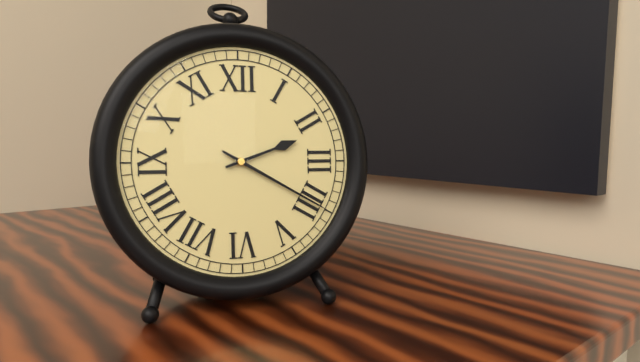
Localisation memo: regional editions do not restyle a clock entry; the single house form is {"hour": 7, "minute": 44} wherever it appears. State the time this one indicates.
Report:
{"hour": 2, "minute": 20}
